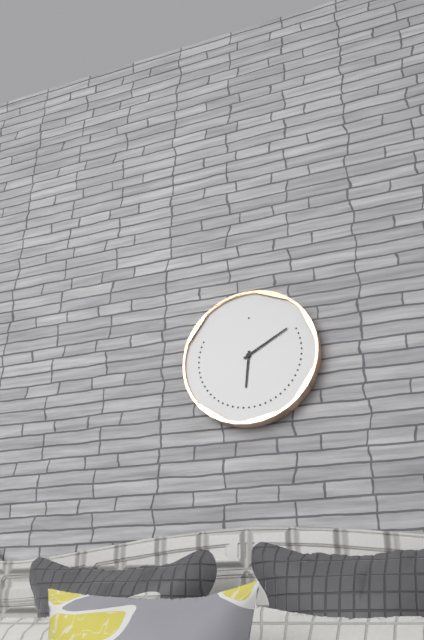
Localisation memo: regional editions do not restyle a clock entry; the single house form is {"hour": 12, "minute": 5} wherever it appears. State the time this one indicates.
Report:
{"hour": 6, "minute": 10}
